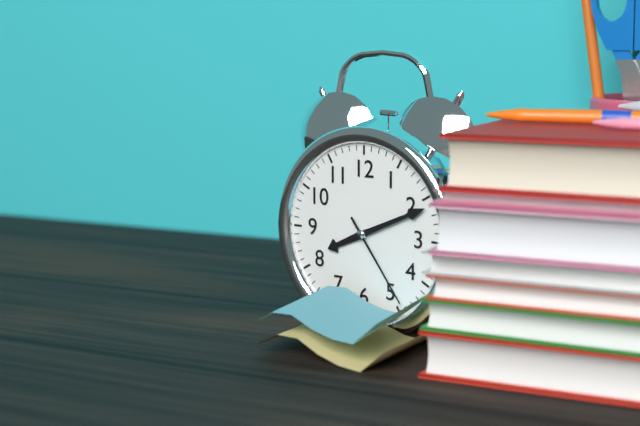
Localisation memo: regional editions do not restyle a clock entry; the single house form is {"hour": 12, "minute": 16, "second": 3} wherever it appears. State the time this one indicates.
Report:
{"hour": 8, "minute": 11, "second": 24}
